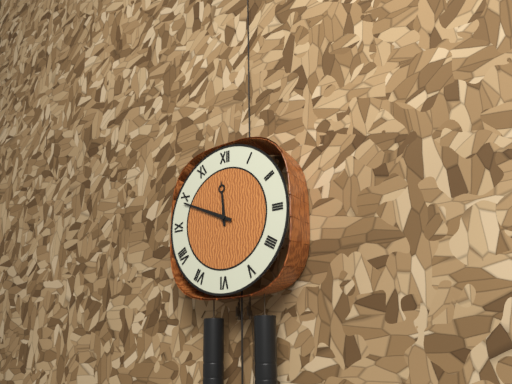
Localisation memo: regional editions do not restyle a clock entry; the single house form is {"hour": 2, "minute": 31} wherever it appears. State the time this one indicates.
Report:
{"hour": 11, "minute": 49}
